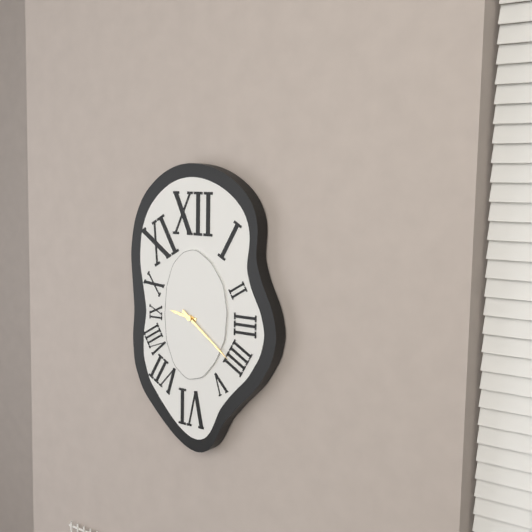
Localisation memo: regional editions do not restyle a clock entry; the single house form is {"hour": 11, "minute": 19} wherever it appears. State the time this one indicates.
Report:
{"hour": 9, "minute": 21}
